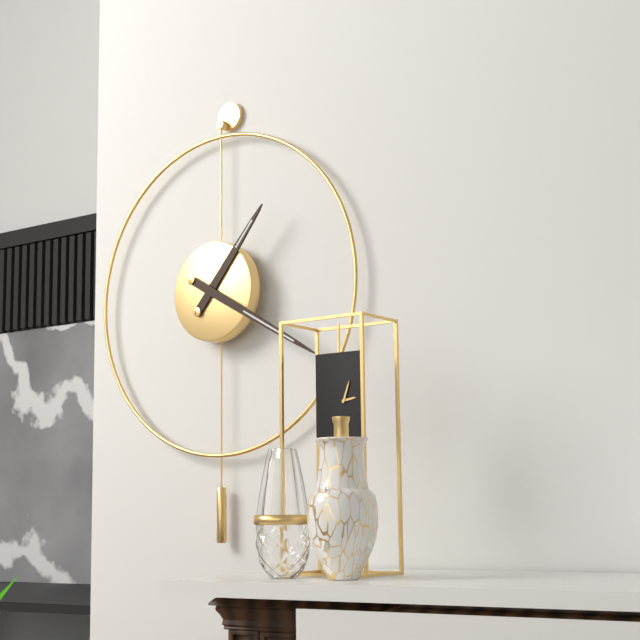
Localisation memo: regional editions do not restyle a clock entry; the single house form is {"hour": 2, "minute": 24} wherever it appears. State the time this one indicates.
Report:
{"hour": 1, "minute": 20}
